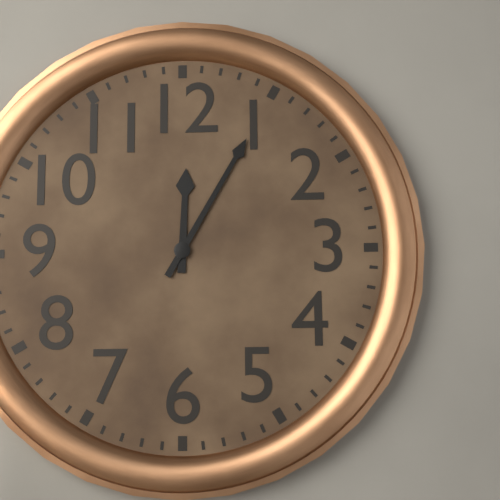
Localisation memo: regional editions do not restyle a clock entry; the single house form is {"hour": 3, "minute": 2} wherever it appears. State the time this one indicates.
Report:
{"hour": 12, "minute": 5}
